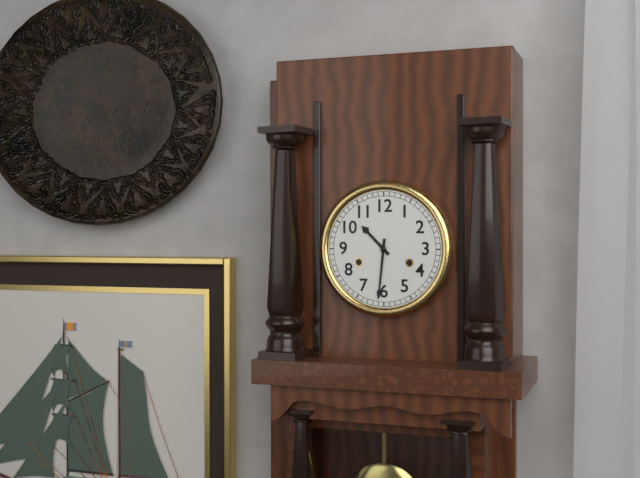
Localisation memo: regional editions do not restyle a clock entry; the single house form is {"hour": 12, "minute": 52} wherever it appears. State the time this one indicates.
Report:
{"hour": 10, "minute": 31}
